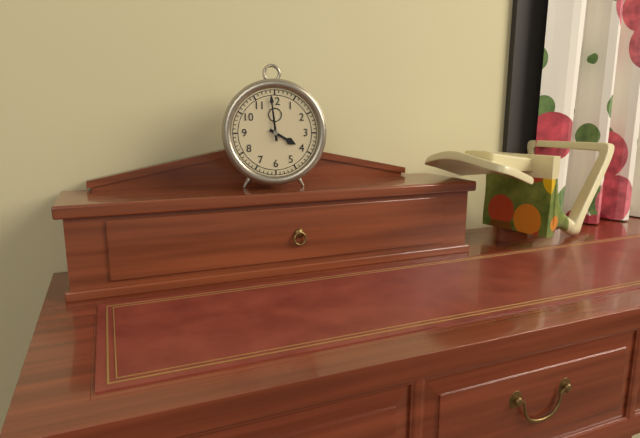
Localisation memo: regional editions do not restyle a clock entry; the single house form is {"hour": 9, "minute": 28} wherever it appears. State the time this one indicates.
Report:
{"hour": 3, "minute": 59}
